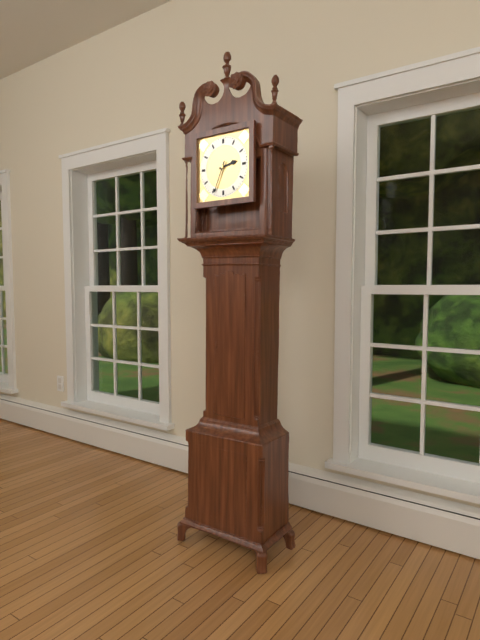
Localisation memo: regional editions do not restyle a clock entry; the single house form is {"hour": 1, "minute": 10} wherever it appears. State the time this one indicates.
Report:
{"hour": 2, "minute": 34}
